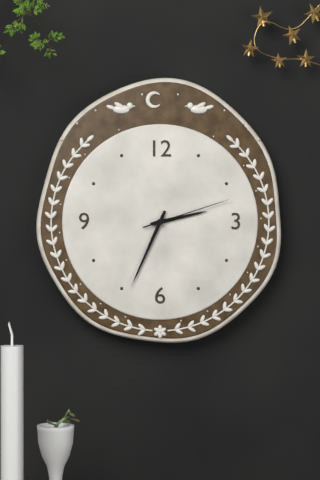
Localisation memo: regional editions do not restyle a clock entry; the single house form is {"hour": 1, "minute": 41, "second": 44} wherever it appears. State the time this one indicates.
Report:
{"hour": 2, "minute": 34, "second": 12}
